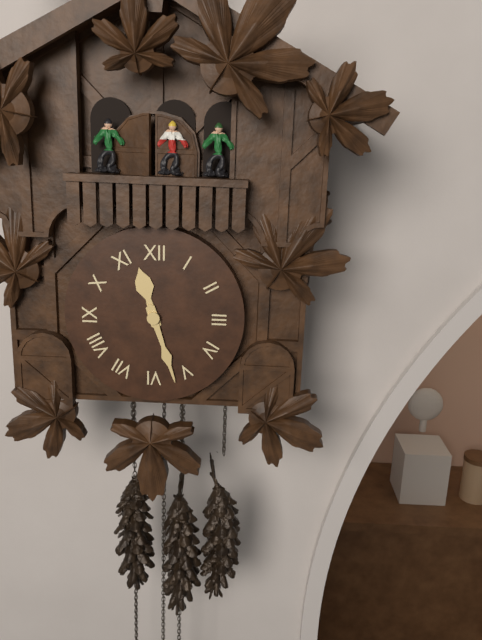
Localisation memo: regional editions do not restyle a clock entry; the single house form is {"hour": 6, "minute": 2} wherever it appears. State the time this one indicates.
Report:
{"hour": 11, "minute": 27}
